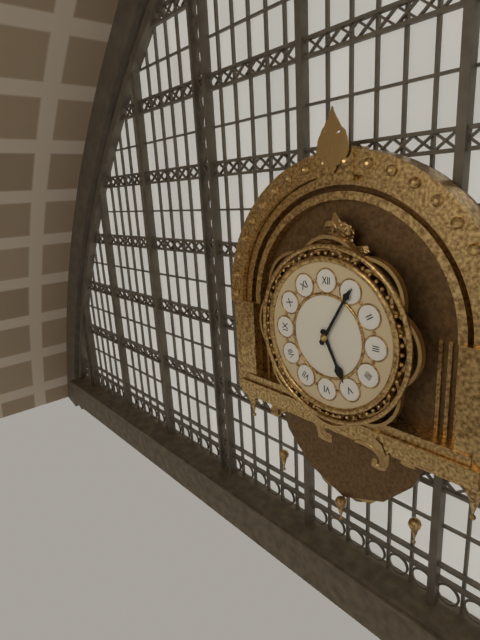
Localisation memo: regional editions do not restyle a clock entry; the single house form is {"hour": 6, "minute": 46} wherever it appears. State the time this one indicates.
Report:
{"hour": 5, "minute": 5}
